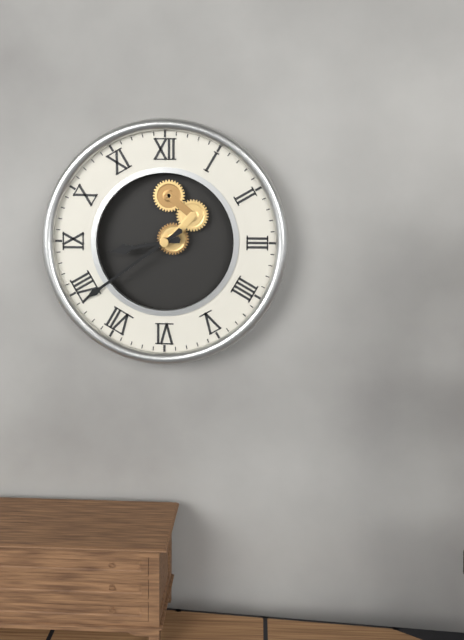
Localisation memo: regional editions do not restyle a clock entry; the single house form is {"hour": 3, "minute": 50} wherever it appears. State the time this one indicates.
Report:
{"hour": 8, "minute": 39}
